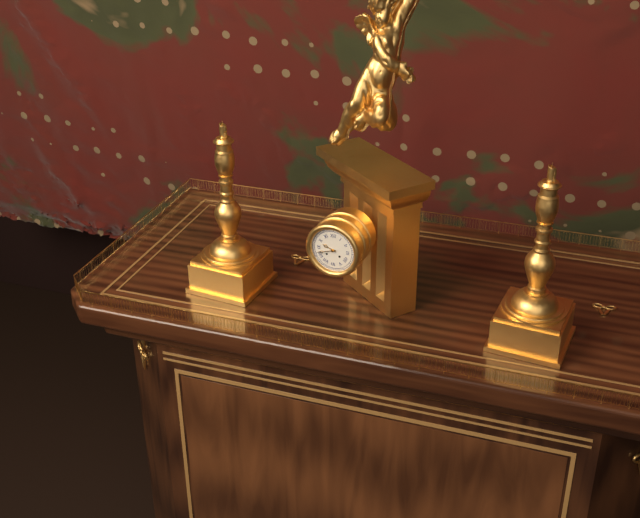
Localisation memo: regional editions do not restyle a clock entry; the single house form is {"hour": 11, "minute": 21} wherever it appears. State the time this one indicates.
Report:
{"hour": 9, "minute": 42}
